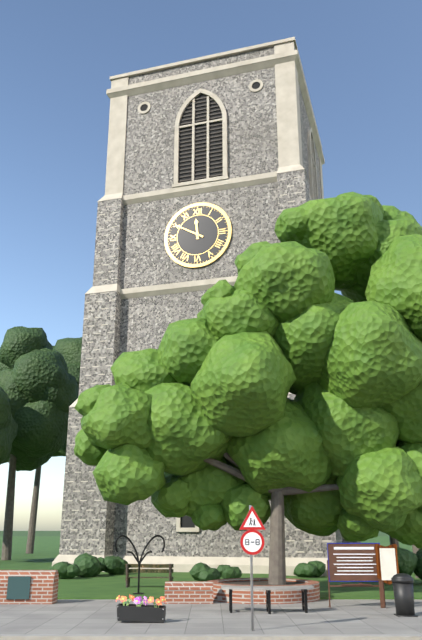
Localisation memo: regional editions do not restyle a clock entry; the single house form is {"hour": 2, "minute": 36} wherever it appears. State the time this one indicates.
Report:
{"hour": 11, "minute": 50}
